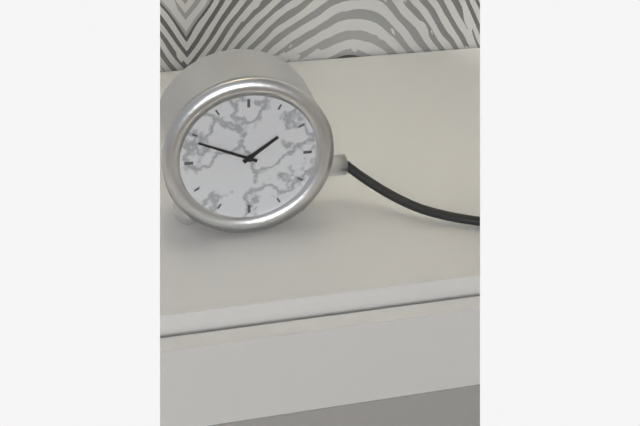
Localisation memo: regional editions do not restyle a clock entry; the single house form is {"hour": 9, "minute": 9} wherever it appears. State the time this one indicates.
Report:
{"hour": 1, "minute": 49}
